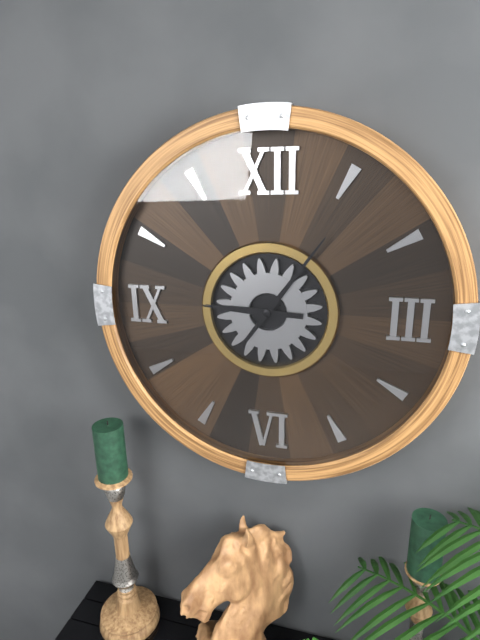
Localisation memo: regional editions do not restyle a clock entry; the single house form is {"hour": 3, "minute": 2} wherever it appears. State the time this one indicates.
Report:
{"hour": 9, "minute": 6}
